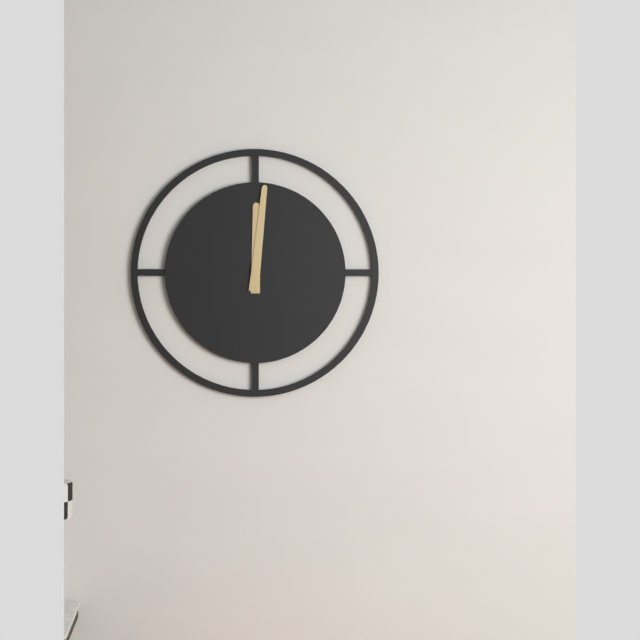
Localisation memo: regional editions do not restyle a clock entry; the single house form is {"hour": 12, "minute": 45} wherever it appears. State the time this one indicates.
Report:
{"hour": 12, "minute": 1}
